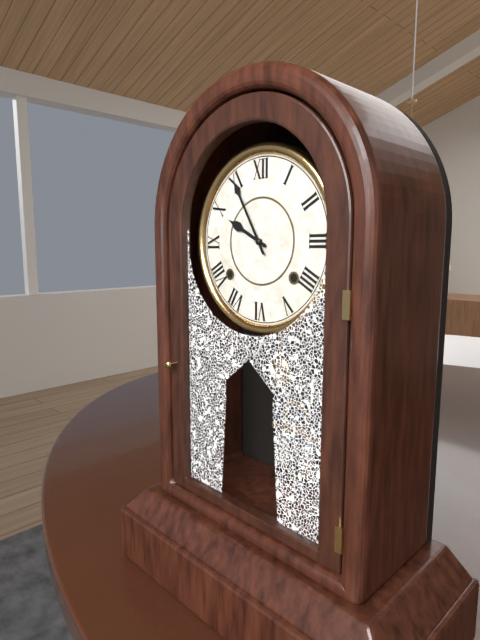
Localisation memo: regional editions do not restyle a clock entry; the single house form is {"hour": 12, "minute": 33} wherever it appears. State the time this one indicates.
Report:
{"hour": 9, "minute": 55}
